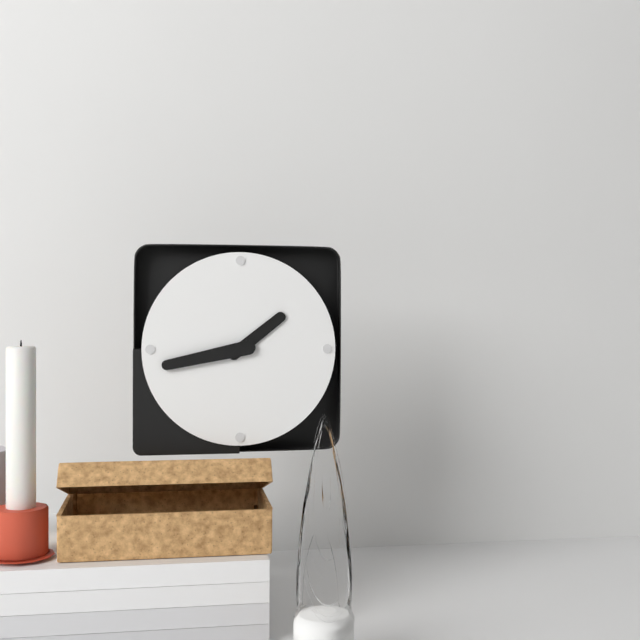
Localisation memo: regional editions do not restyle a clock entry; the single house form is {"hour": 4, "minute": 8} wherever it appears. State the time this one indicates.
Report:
{"hour": 1, "minute": 43}
